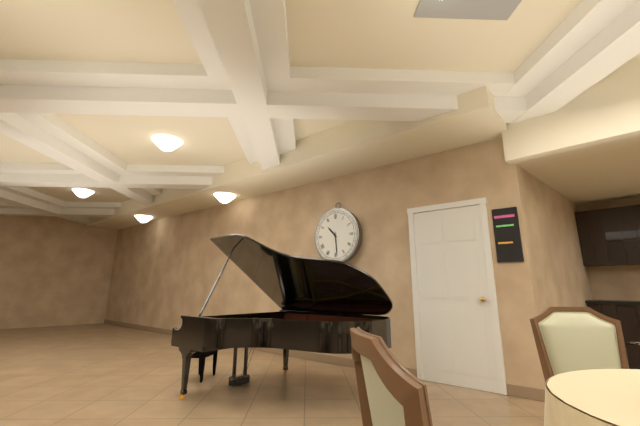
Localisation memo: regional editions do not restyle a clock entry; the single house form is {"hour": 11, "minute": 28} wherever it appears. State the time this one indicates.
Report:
{"hour": 10, "minute": 29}
